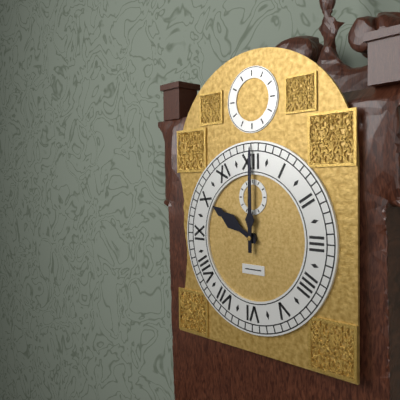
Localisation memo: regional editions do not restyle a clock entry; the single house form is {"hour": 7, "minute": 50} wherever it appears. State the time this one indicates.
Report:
{"hour": 10, "minute": 0}
